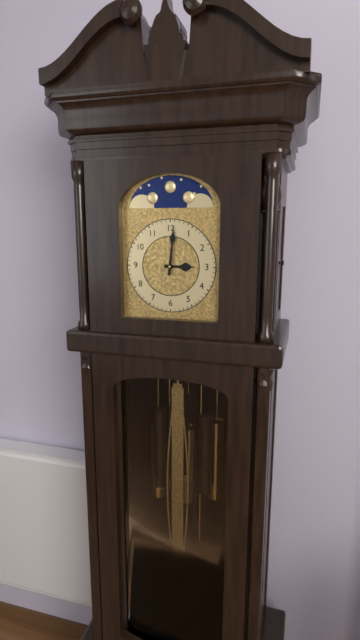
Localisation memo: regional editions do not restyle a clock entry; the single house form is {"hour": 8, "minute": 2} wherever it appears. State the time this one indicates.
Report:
{"hour": 3, "minute": 1}
